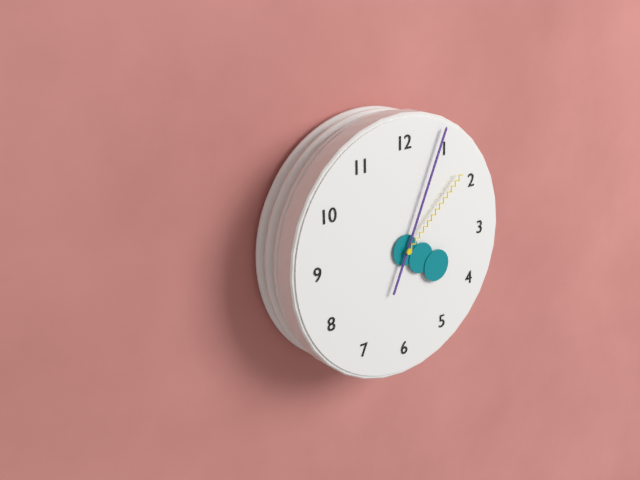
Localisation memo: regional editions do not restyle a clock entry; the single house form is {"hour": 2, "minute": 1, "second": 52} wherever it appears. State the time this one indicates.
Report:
{"hour": 4, "minute": 4, "second": 8}
